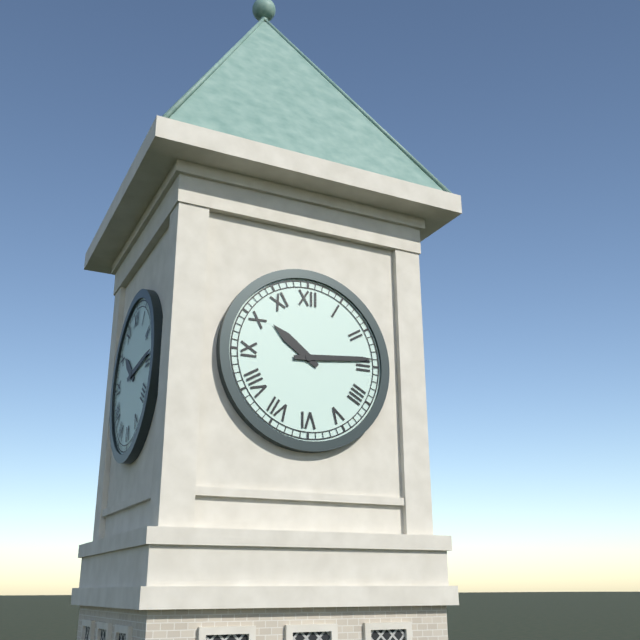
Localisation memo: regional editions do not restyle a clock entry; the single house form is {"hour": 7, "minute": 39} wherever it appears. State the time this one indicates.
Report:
{"hour": 10, "minute": 14}
